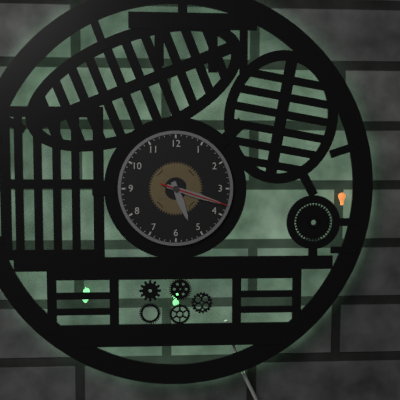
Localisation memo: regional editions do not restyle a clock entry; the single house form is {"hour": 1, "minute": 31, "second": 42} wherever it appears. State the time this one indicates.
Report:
{"hour": 5, "minute": 18, "second": 18}
